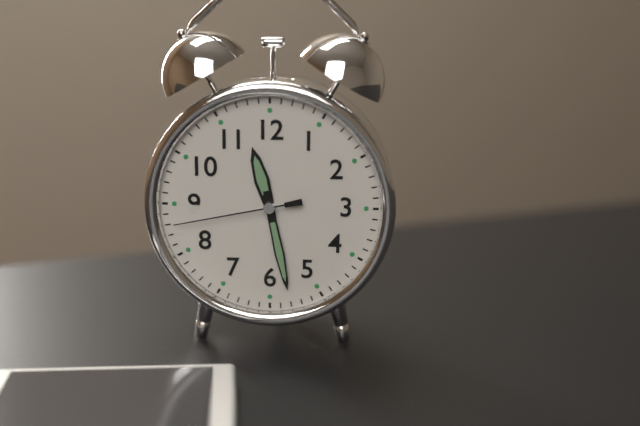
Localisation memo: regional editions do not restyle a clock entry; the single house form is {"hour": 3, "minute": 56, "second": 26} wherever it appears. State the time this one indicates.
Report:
{"hour": 11, "minute": 28, "second": 43}
